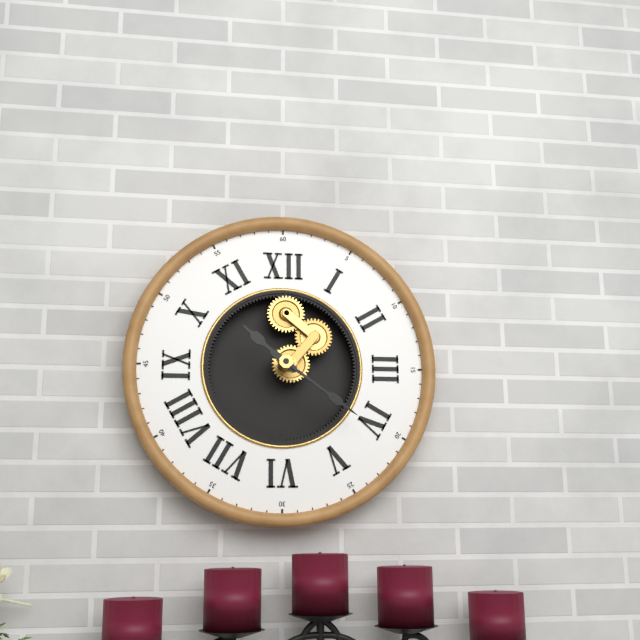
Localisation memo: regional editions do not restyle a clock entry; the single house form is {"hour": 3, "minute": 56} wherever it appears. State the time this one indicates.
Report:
{"hour": 10, "minute": 21}
